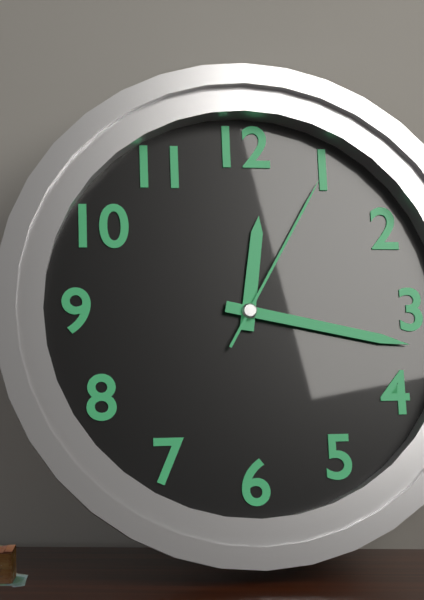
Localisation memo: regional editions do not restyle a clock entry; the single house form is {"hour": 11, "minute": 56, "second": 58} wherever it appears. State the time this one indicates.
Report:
{"hour": 12, "minute": 17, "second": 5}
